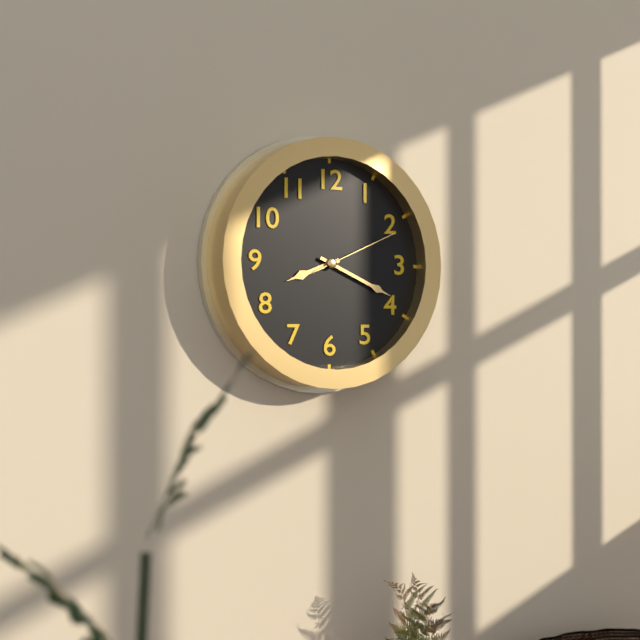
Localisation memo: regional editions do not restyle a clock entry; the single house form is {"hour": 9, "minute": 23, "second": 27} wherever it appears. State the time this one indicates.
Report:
{"hour": 8, "minute": 19, "second": 11}
